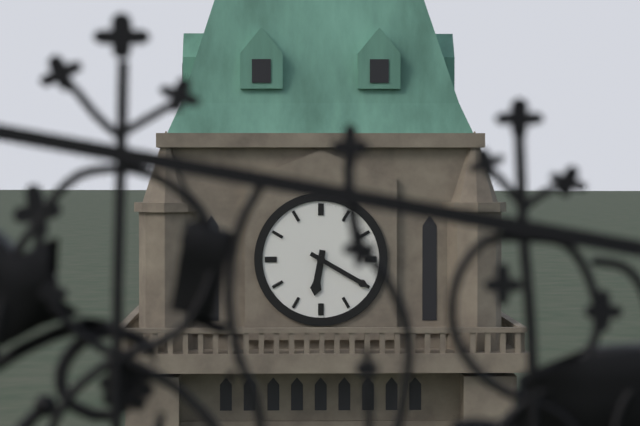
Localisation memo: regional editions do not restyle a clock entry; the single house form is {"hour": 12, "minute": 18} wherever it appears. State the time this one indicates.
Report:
{"hour": 6, "minute": 20}
